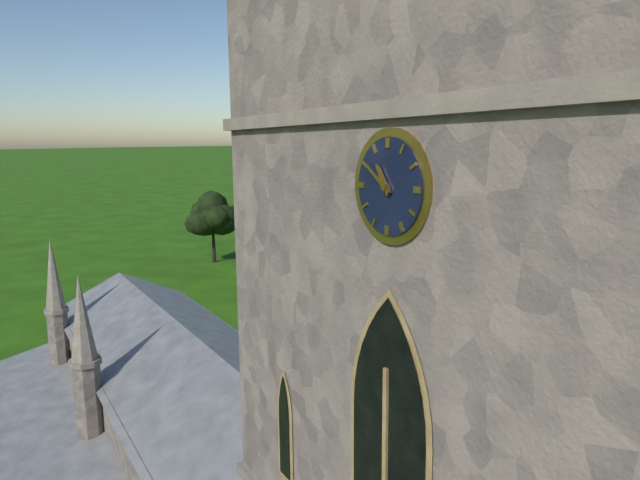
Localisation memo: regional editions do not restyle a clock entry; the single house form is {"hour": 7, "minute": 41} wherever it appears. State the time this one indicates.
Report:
{"hour": 10, "minute": 51}
